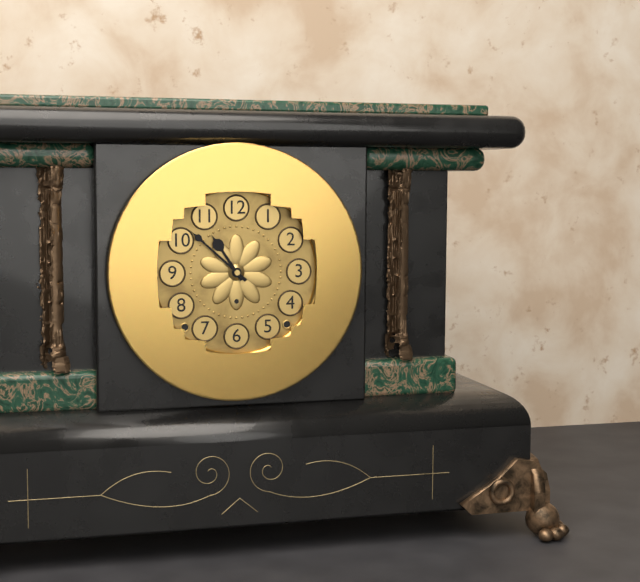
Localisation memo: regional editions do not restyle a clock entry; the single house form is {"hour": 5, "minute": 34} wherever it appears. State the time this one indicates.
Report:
{"hour": 10, "minute": 52}
